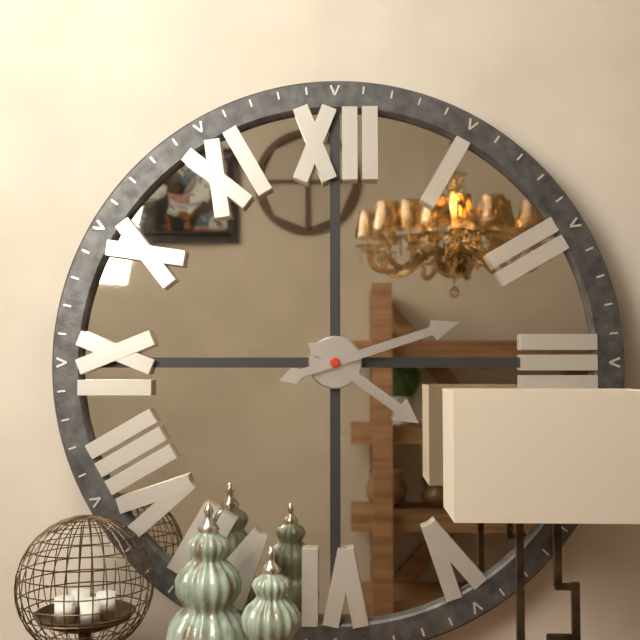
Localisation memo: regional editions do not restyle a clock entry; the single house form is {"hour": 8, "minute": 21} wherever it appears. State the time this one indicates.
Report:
{"hour": 4, "minute": 12}
